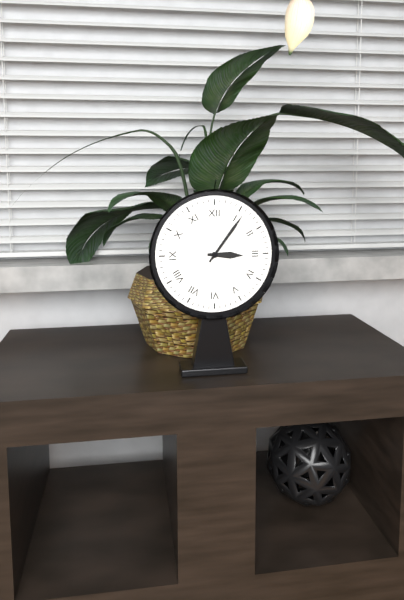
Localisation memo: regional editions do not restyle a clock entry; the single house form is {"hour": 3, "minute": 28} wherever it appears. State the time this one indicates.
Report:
{"hour": 3, "minute": 6}
